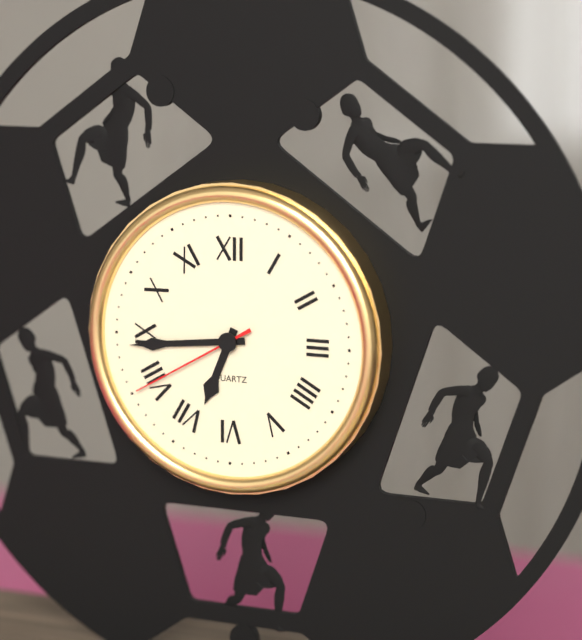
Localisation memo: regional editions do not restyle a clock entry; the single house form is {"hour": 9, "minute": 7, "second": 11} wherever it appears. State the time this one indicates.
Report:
{"hour": 6, "minute": 44, "second": 40}
